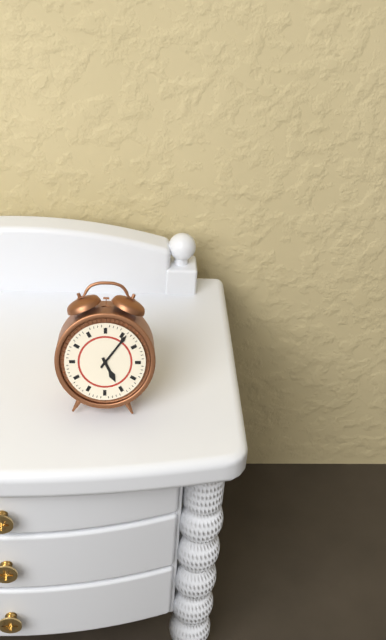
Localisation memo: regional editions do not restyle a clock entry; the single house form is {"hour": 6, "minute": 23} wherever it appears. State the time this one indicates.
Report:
{"hour": 5, "minute": 6}
